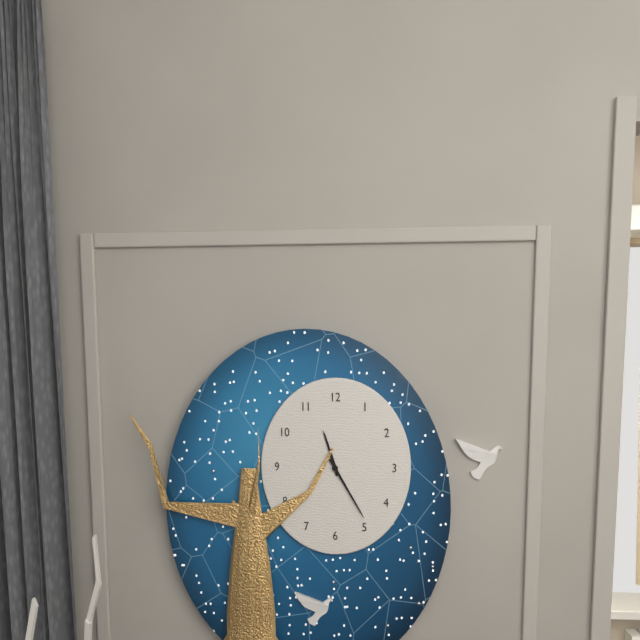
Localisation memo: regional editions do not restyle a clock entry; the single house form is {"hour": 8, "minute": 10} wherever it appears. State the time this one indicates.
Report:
{"hour": 11, "minute": 25}
